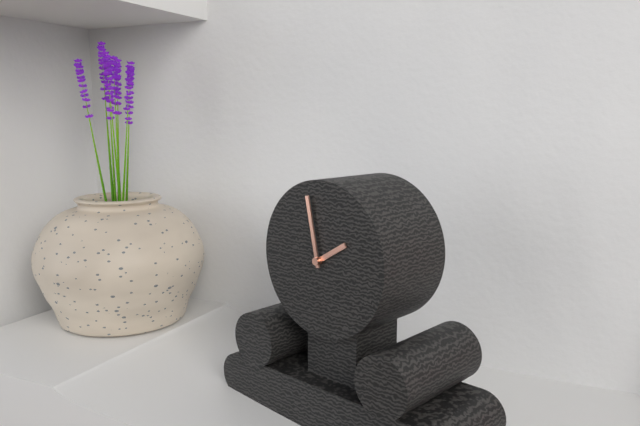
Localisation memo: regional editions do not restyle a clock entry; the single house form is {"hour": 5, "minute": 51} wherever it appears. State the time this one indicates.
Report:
{"hour": 1, "minute": 58}
